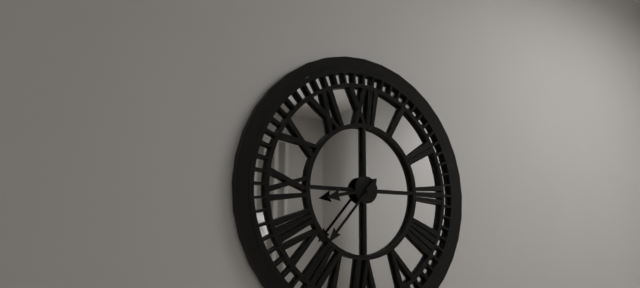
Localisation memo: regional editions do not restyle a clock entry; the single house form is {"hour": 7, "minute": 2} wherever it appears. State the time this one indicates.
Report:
{"hour": 8, "minute": 37}
